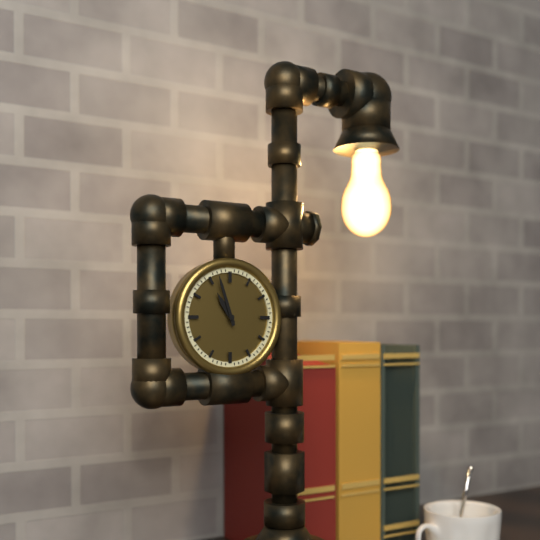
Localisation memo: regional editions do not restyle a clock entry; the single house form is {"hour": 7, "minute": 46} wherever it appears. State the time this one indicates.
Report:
{"hour": 10, "minute": 57}
